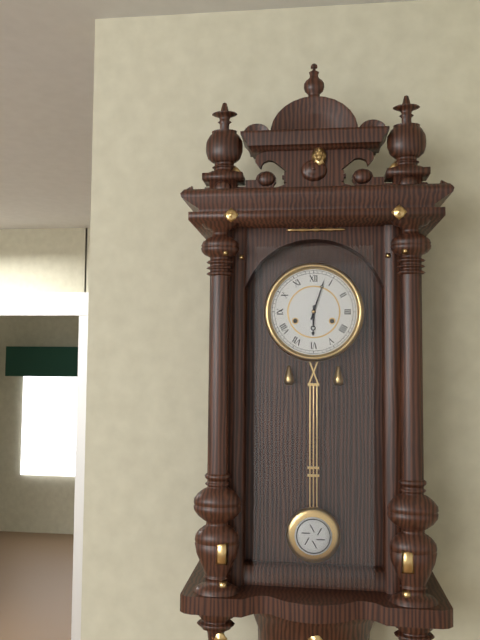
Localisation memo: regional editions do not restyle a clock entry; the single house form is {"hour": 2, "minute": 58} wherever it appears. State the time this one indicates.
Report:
{"hour": 6, "minute": 3}
